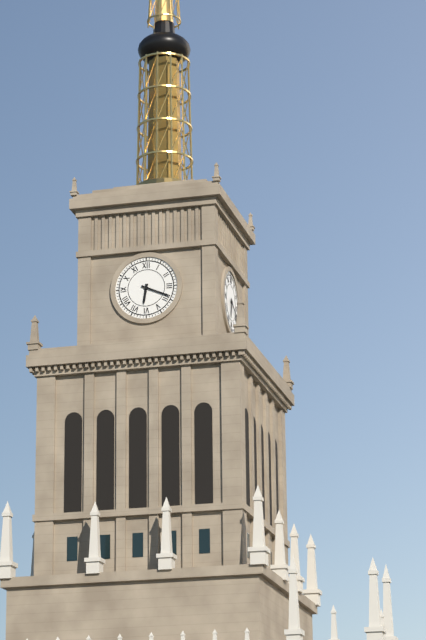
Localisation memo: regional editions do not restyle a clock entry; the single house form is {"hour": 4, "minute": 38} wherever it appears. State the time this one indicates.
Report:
{"hour": 6, "minute": 19}
